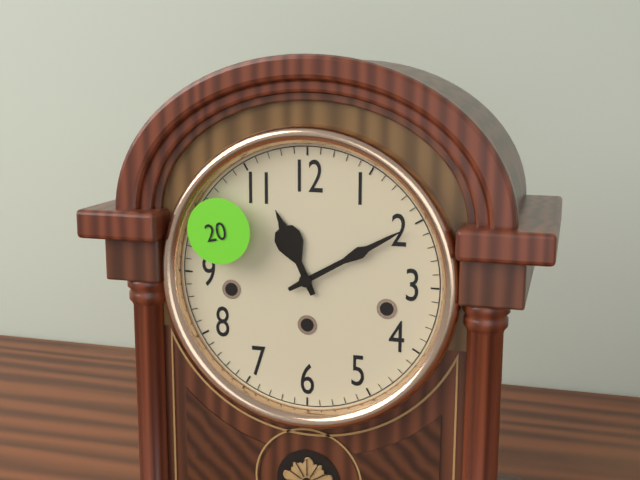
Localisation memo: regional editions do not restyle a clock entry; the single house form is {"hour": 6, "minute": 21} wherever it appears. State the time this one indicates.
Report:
{"hour": 11, "minute": 10}
